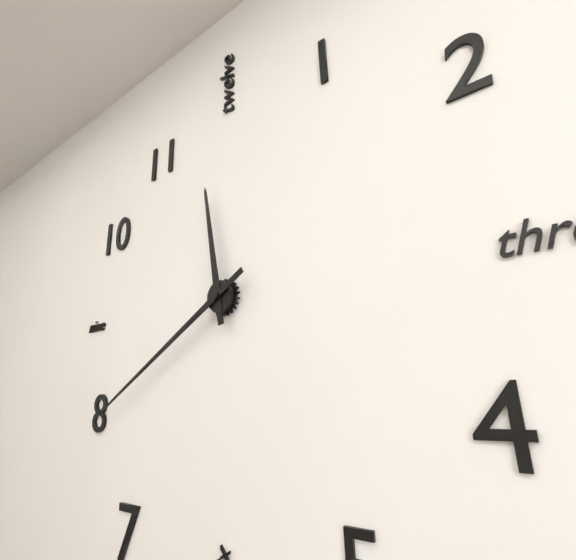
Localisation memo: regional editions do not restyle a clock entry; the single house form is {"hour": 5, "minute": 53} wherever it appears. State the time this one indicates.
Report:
{"hour": 11, "minute": 40}
